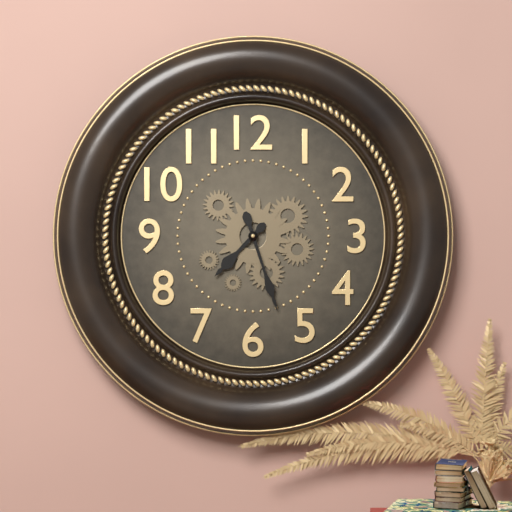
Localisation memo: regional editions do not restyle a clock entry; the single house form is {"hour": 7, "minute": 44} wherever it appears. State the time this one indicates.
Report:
{"hour": 7, "minute": 27}
